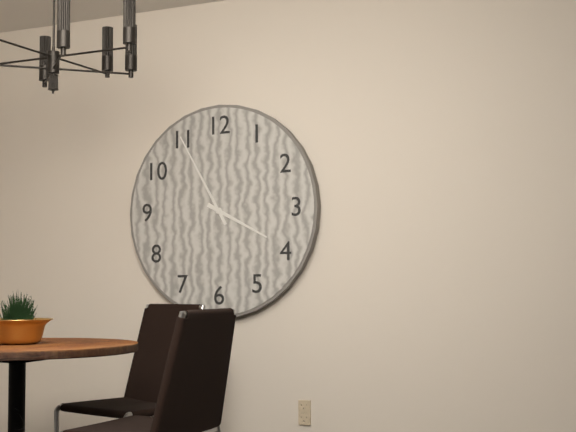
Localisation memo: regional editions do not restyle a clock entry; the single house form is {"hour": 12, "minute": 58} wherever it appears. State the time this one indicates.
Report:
{"hour": 3, "minute": 55}
